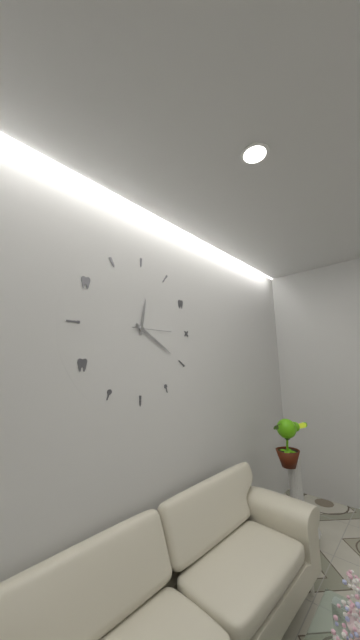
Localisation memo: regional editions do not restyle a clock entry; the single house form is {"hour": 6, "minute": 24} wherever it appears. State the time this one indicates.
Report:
{"hour": 12, "minute": 20}
